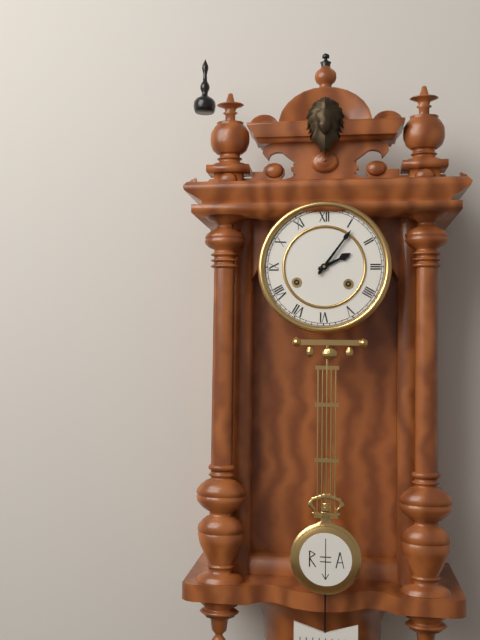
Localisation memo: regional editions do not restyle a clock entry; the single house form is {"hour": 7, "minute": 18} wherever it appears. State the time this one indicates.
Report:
{"hour": 2, "minute": 6}
